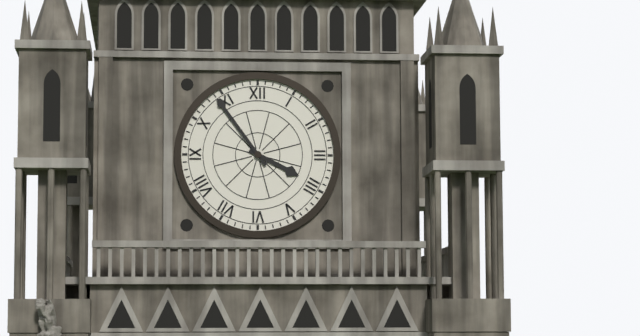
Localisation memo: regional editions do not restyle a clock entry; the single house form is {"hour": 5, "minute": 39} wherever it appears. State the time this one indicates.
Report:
{"hour": 3, "minute": 54}
